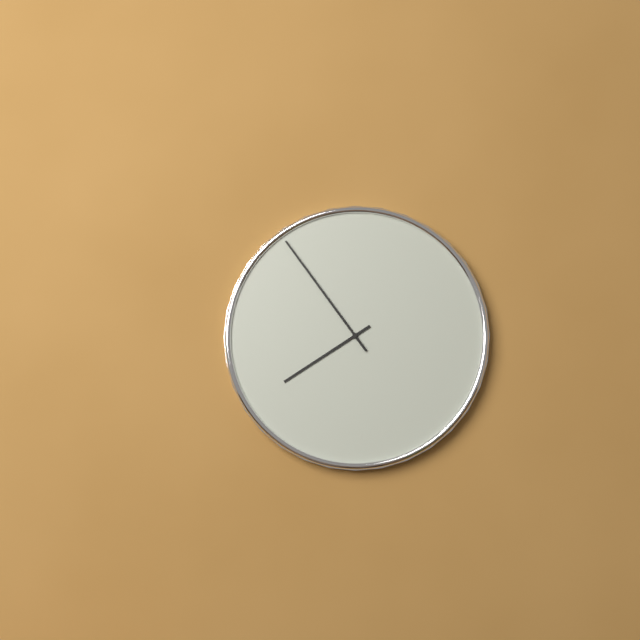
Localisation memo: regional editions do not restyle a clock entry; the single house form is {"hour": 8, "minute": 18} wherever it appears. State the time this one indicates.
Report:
{"hour": 7, "minute": 54}
